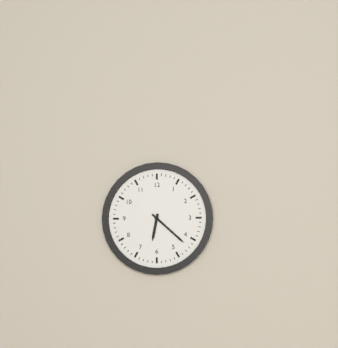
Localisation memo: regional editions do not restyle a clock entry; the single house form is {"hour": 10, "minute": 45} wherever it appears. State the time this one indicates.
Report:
{"hour": 6, "minute": 22}
